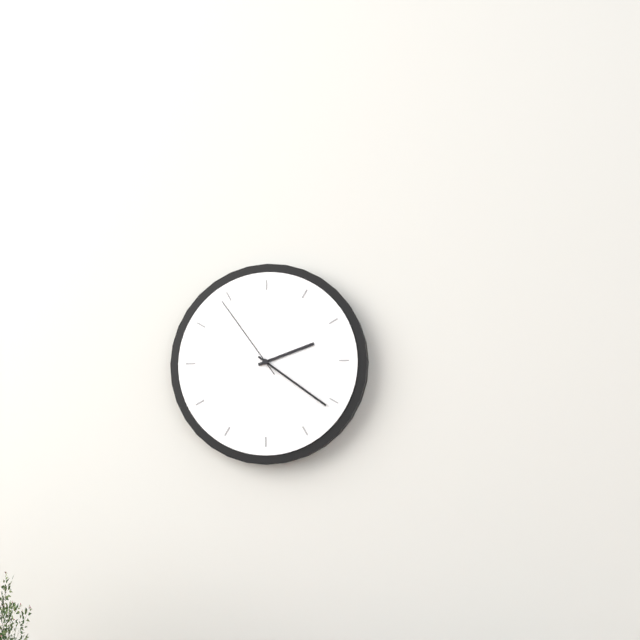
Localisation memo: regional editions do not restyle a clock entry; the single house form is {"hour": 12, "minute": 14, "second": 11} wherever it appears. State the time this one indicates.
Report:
{"hour": 2, "minute": 21, "second": 54}
